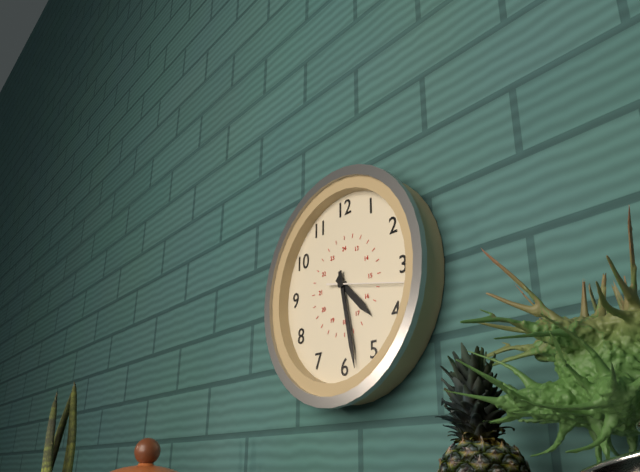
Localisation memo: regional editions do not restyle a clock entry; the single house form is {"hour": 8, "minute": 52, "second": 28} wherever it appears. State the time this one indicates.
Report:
{"hour": 4, "minute": 28, "second": 17}
